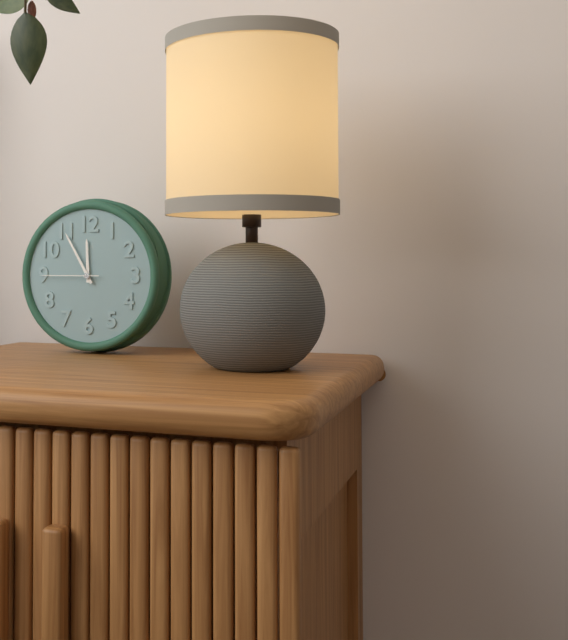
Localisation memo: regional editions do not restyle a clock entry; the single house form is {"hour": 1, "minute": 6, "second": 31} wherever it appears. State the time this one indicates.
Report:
{"hour": 11, "minute": 55, "second": 45}
